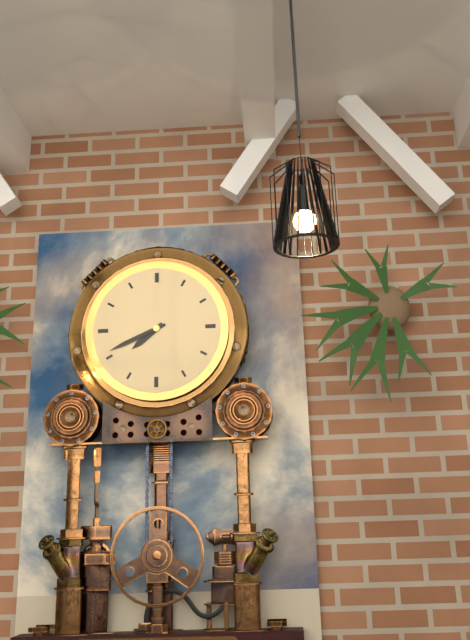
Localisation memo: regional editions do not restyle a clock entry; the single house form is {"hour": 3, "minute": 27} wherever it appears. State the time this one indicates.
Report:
{"hour": 7, "minute": 41}
